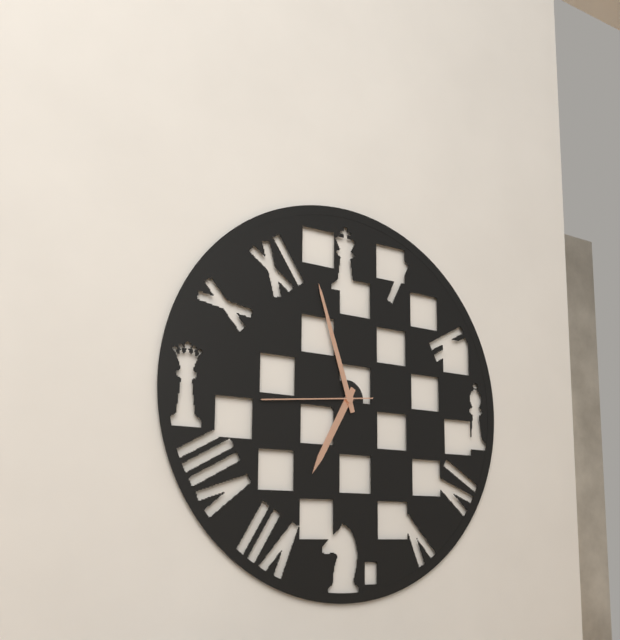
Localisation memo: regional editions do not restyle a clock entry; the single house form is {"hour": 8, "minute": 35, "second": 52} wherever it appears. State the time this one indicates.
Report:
{"hour": 6, "minute": 57, "second": 44}
